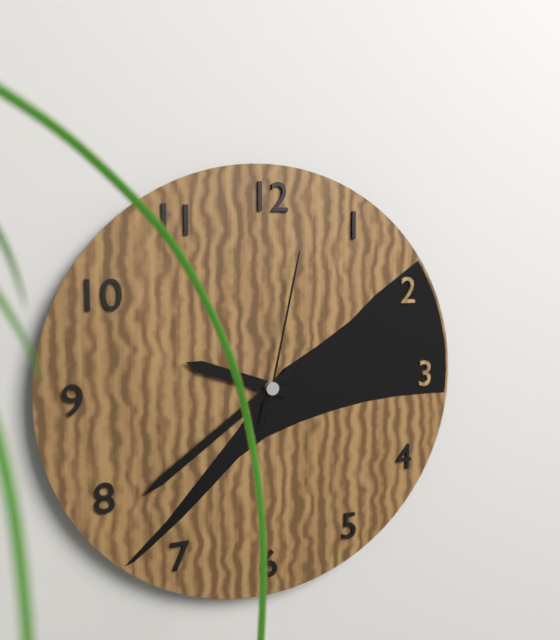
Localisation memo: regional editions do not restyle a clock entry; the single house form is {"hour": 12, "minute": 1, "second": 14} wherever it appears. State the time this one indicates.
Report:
{"hour": 9, "minute": 39, "second": 2}
